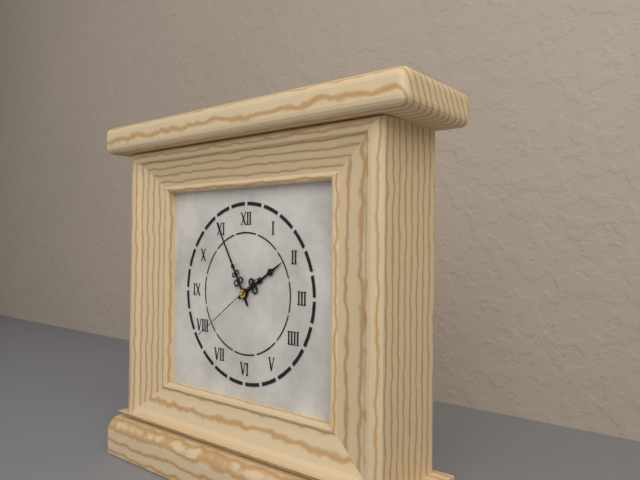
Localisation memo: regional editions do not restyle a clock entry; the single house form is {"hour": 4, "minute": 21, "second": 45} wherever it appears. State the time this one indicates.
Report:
{"hour": 1, "minute": 55, "second": 39}
